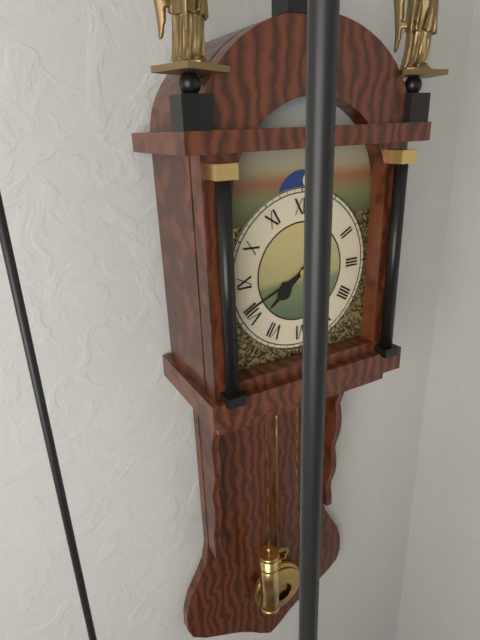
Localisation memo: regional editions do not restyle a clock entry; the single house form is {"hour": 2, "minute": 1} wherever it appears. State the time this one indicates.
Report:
{"hour": 7, "minute": 41}
